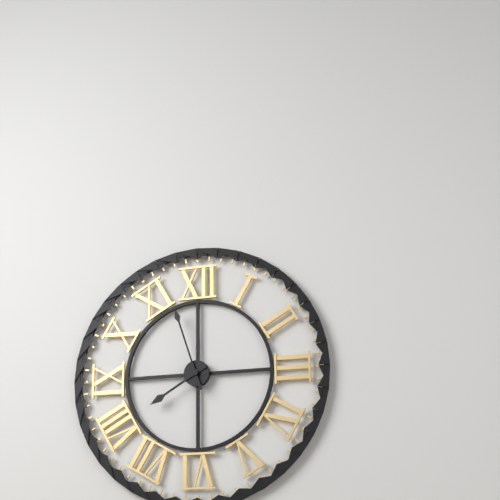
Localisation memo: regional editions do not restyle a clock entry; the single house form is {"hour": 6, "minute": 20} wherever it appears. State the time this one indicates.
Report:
{"hour": 7, "minute": 57}
